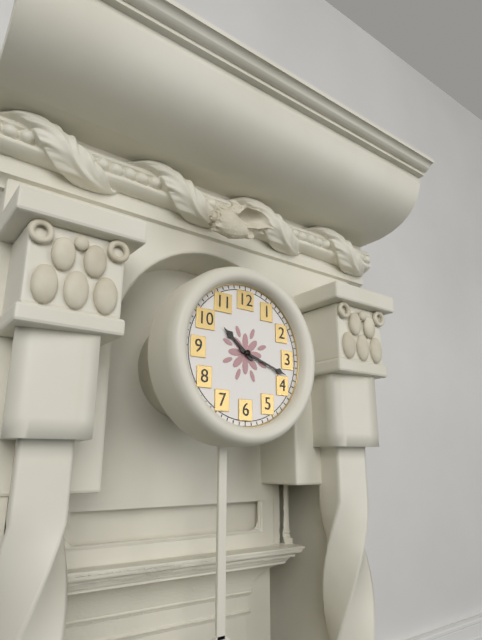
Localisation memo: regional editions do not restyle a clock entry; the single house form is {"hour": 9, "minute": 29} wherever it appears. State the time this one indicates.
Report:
{"hour": 10, "minute": 18}
